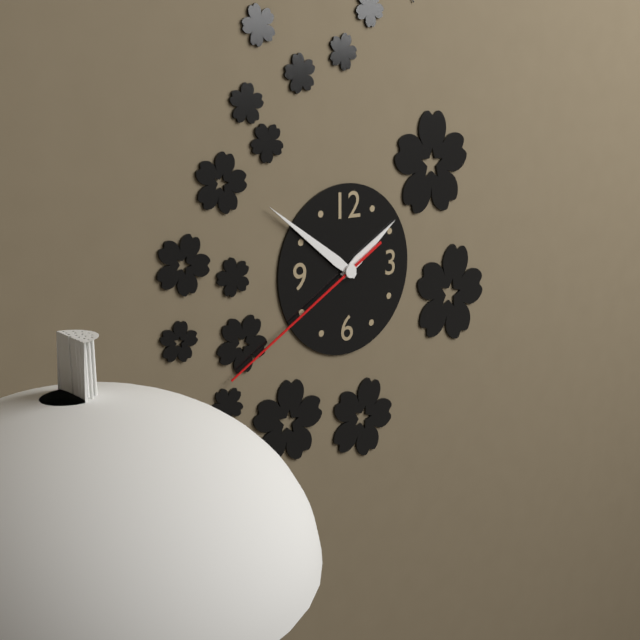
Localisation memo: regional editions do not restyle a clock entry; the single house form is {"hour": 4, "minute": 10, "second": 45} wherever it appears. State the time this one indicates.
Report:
{"hour": 1, "minute": 51, "second": 40}
